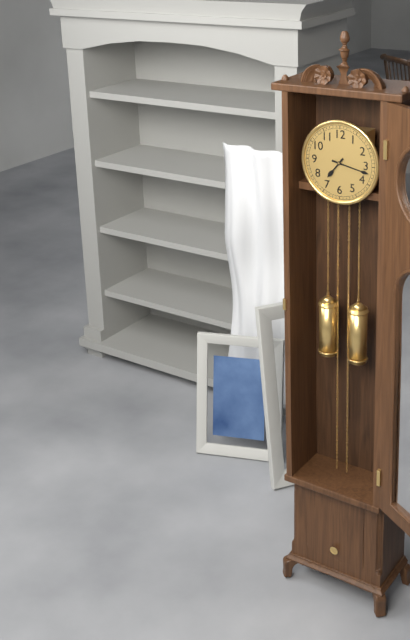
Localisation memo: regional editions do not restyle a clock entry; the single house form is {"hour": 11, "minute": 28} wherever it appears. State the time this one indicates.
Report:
{"hour": 7, "minute": 17}
